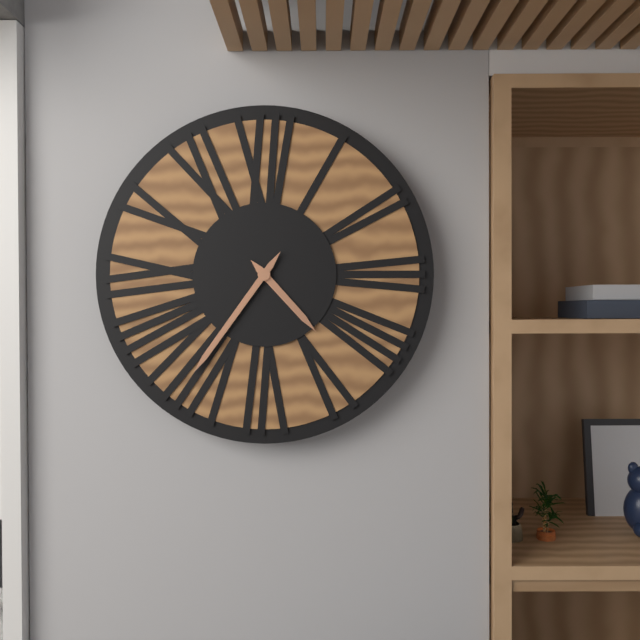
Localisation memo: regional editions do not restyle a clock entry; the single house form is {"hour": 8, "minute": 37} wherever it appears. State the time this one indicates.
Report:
{"hour": 4, "minute": 36}
